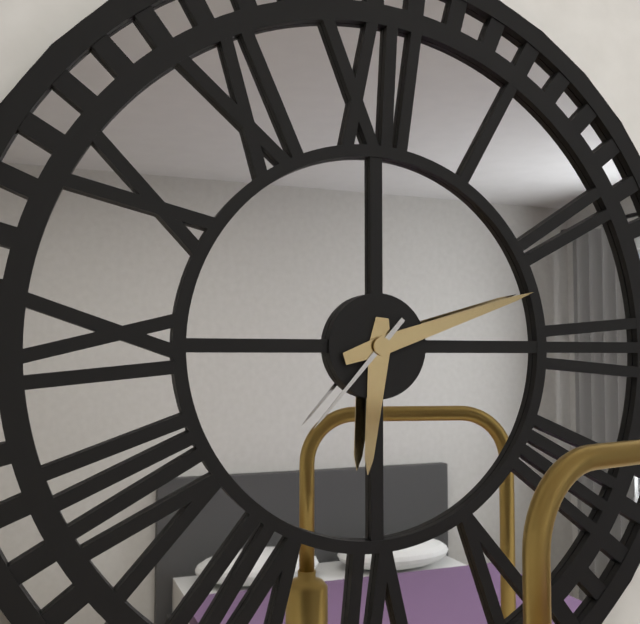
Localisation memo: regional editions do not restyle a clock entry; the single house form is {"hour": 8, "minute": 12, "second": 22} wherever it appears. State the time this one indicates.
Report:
{"hour": 6, "minute": 12, "second": 37}
